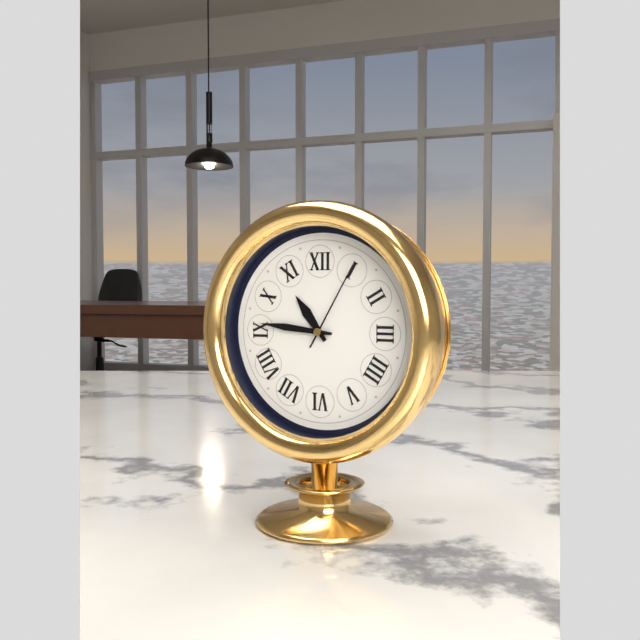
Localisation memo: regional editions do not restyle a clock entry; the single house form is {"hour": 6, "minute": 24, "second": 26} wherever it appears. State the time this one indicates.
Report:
{"hour": 10, "minute": 46, "second": 5}
